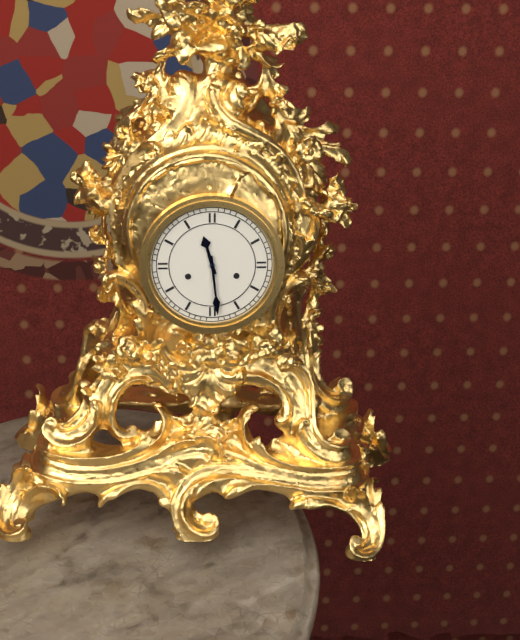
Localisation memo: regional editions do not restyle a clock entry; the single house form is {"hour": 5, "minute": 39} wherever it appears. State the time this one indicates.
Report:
{"hour": 11, "minute": 29}
